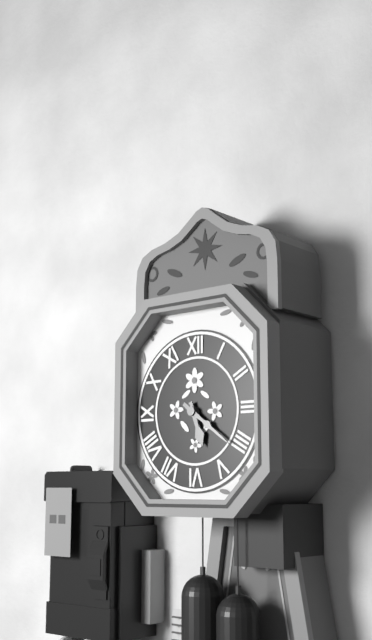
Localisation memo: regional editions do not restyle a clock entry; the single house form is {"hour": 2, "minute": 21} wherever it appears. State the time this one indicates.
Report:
{"hour": 5, "minute": 21}
